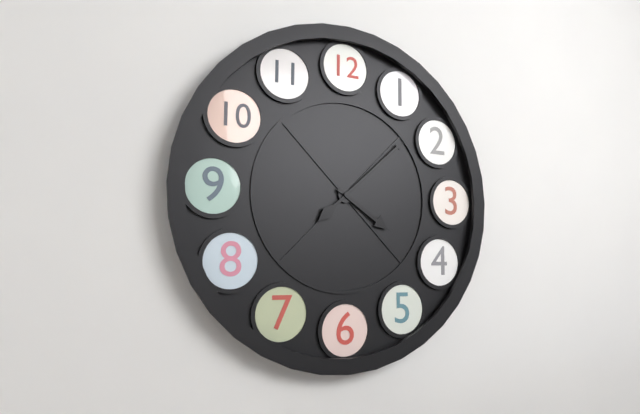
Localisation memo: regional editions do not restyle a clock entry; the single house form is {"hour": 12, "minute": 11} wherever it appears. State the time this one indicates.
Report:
{"hour": 4, "minute": 8}
